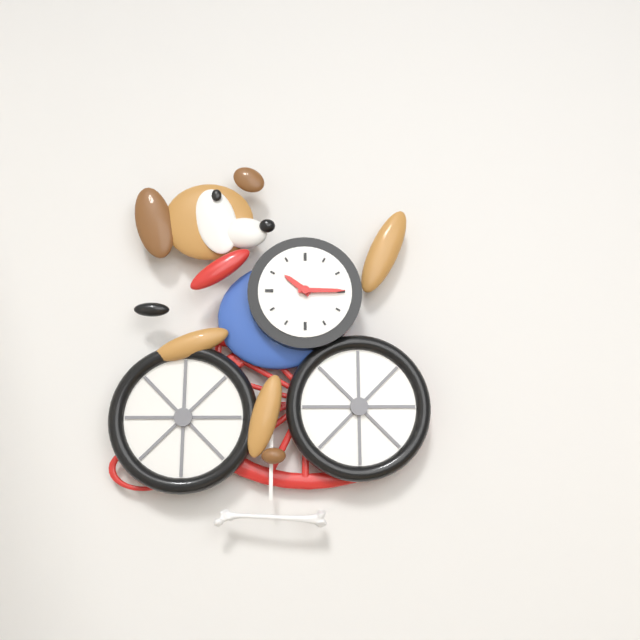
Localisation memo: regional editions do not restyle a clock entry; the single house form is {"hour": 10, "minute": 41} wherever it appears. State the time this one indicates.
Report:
{"hour": 10, "minute": 15}
